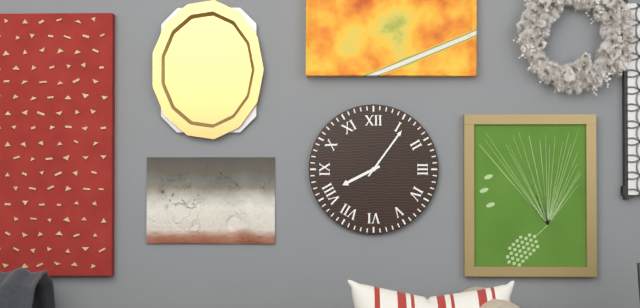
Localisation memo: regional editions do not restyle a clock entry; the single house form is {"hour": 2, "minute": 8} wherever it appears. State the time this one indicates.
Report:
{"hour": 8, "minute": 6}
